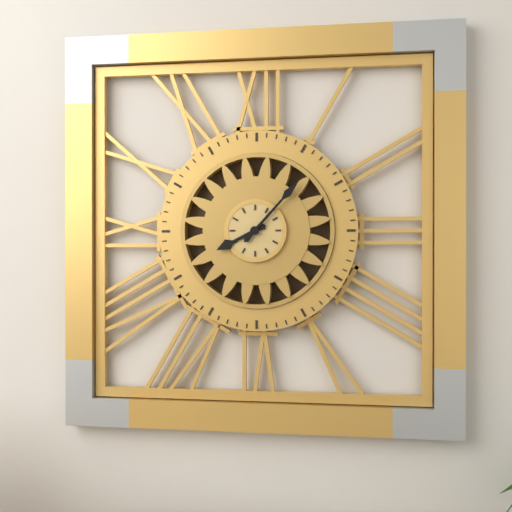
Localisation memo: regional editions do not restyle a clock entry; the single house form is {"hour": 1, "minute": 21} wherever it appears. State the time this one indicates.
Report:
{"hour": 8, "minute": 7}
